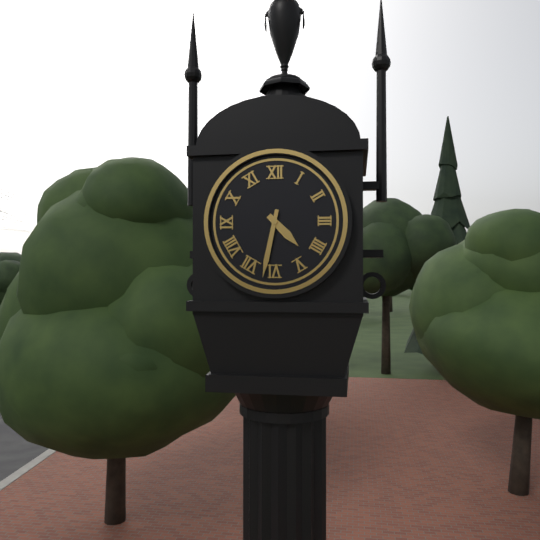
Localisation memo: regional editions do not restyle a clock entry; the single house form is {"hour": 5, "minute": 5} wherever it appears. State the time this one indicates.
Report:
{"hour": 4, "minute": 32}
